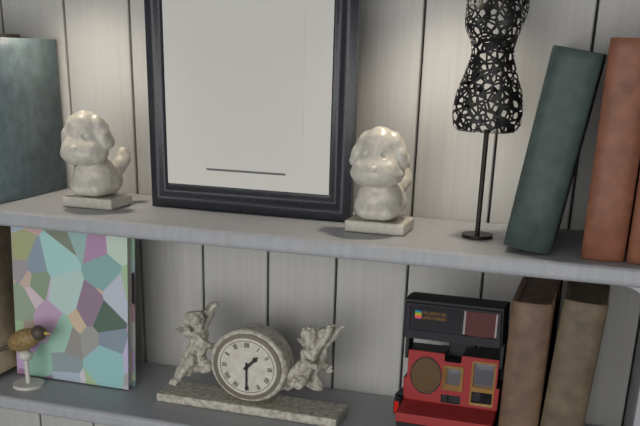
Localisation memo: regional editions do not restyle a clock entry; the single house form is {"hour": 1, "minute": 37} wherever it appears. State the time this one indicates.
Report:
{"hour": 1, "minute": 30}
